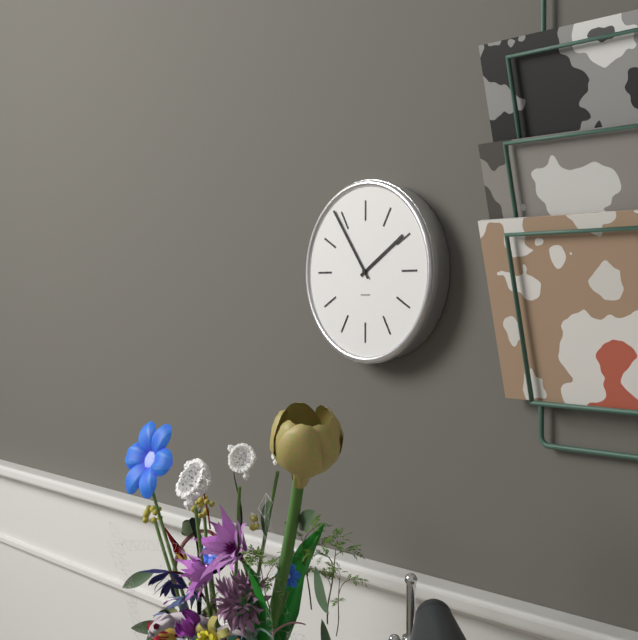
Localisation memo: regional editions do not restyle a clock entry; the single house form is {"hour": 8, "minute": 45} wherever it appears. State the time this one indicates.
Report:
{"hour": 1, "minute": 54}
